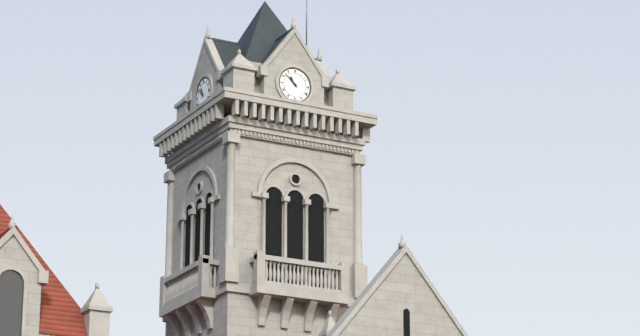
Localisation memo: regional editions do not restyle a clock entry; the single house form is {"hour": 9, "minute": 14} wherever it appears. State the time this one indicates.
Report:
{"hour": 10, "minute": 52}
